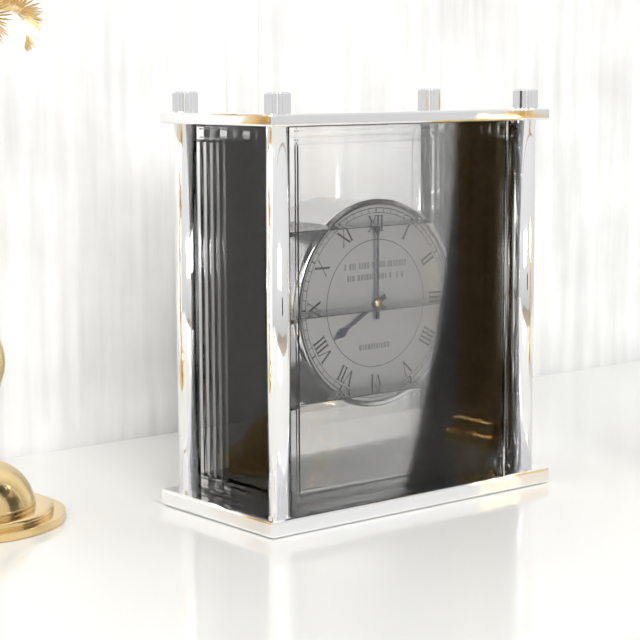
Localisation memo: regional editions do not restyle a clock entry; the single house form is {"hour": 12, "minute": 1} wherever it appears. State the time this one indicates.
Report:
{"hour": 8, "minute": 0}
